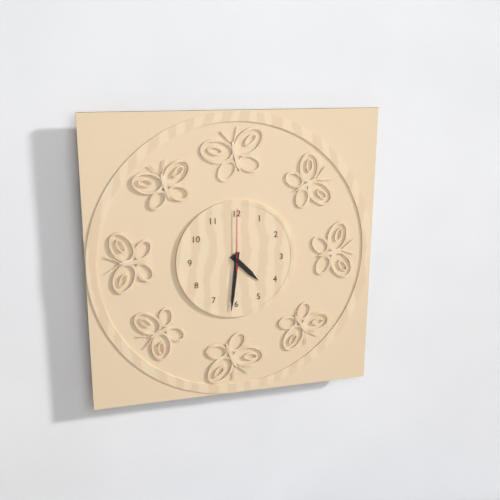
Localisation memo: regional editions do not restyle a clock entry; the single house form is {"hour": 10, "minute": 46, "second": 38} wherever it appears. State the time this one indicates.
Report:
{"hour": 4, "minute": 31, "second": 0}
